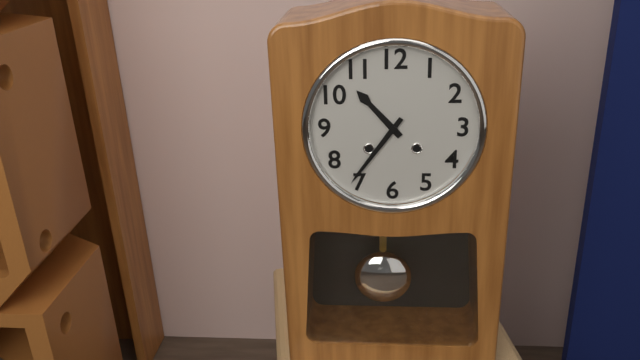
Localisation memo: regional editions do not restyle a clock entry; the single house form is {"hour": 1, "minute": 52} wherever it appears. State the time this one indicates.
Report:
{"hour": 10, "minute": 36}
